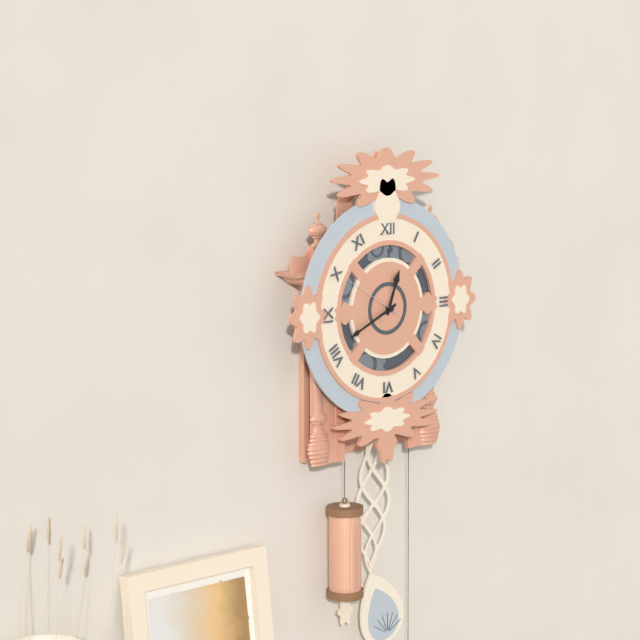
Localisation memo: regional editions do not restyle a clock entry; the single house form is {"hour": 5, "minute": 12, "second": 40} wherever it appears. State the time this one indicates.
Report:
{"hour": 12, "minute": 41, "second": 50}
